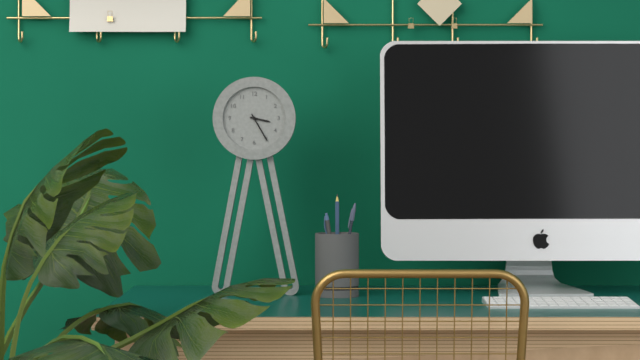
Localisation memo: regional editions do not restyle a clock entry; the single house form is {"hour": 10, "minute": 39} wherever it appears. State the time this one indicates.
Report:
{"hour": 3, "minute": 25}
